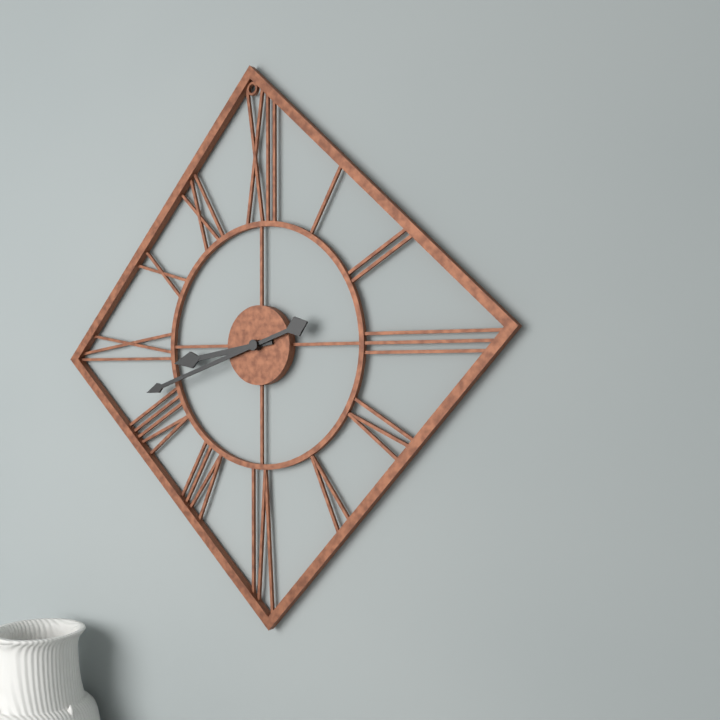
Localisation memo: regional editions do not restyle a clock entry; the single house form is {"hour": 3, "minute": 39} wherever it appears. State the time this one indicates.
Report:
{"hour": 8, "minute": 42}
